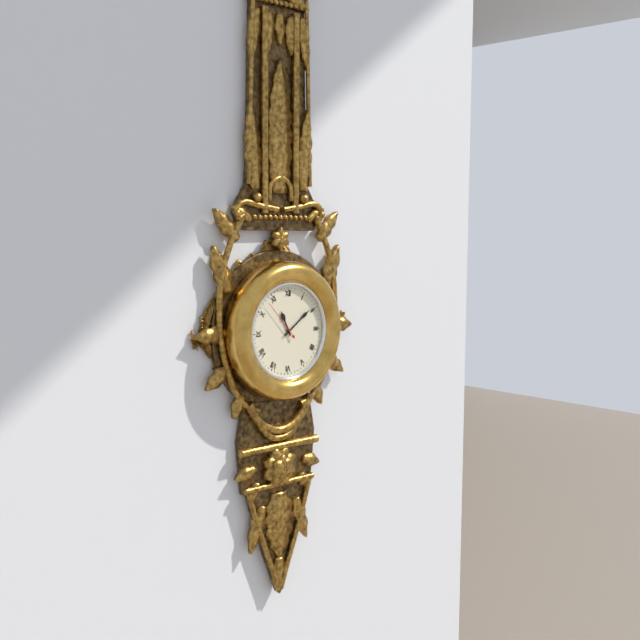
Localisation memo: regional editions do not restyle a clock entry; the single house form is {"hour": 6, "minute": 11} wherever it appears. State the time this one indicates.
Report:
{"hour": 11, "minute": 9}
